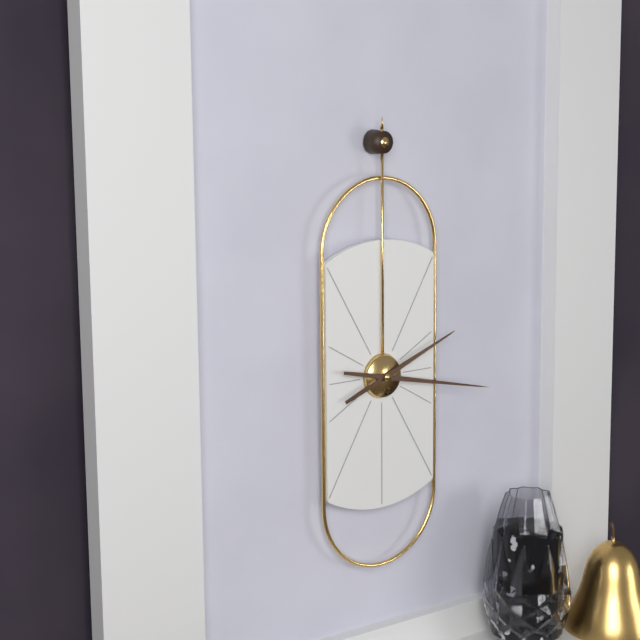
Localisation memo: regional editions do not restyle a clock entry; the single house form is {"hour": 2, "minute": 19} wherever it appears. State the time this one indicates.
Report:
{"hour": 2, "minute": 17}
